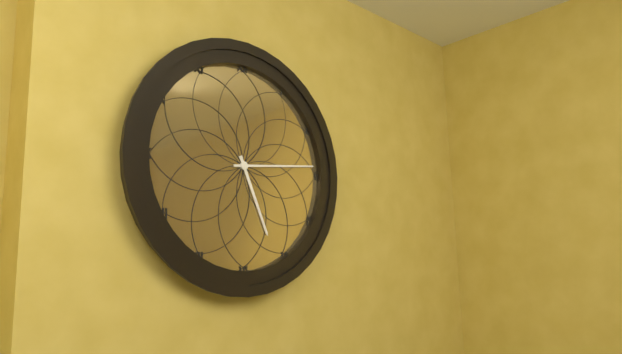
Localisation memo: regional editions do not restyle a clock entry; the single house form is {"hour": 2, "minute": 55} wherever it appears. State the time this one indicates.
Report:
{"hour": 5, "minute": 14}
